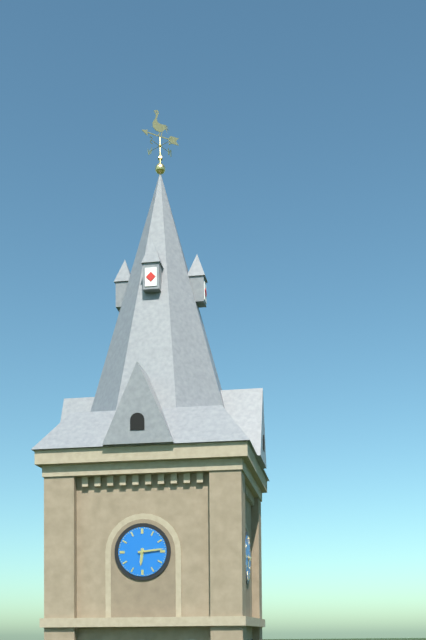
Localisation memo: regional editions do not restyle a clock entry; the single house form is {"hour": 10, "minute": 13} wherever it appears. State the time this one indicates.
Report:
{"hour": 6, "minute": 14}
